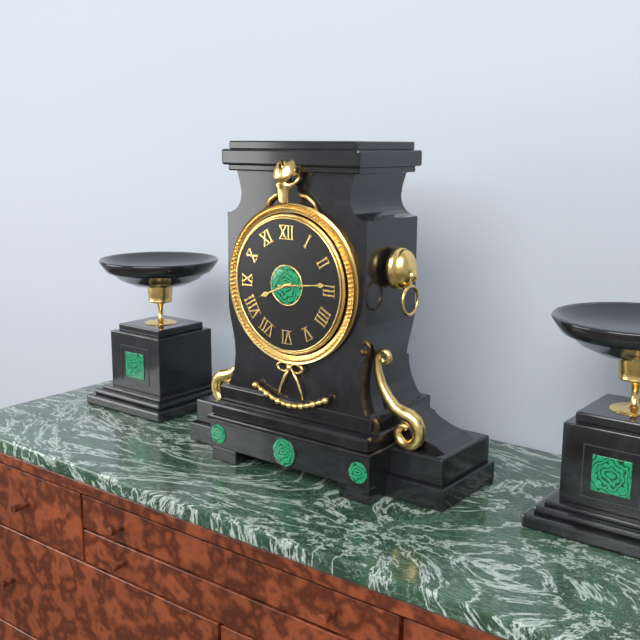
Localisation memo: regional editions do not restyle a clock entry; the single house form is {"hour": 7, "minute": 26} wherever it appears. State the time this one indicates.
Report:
{"hour": 8, "minute": 14}
